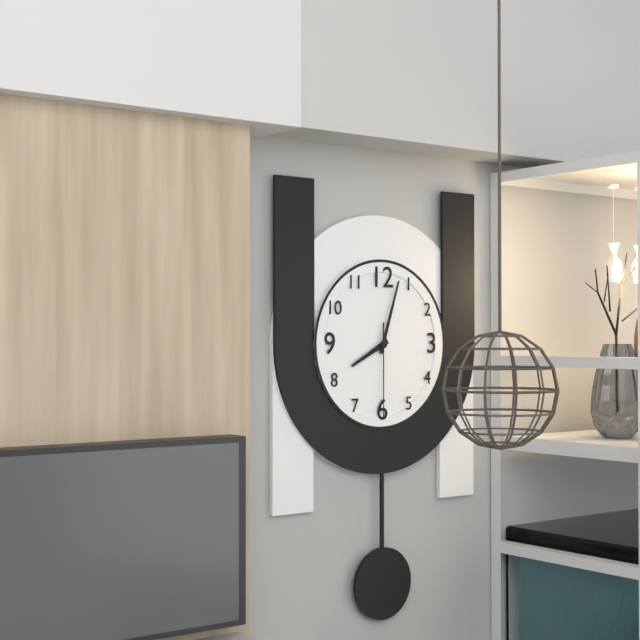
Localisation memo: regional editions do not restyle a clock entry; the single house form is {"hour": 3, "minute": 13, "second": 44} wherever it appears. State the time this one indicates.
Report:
{"hour": 8, "minute": 3, "second": 30}
